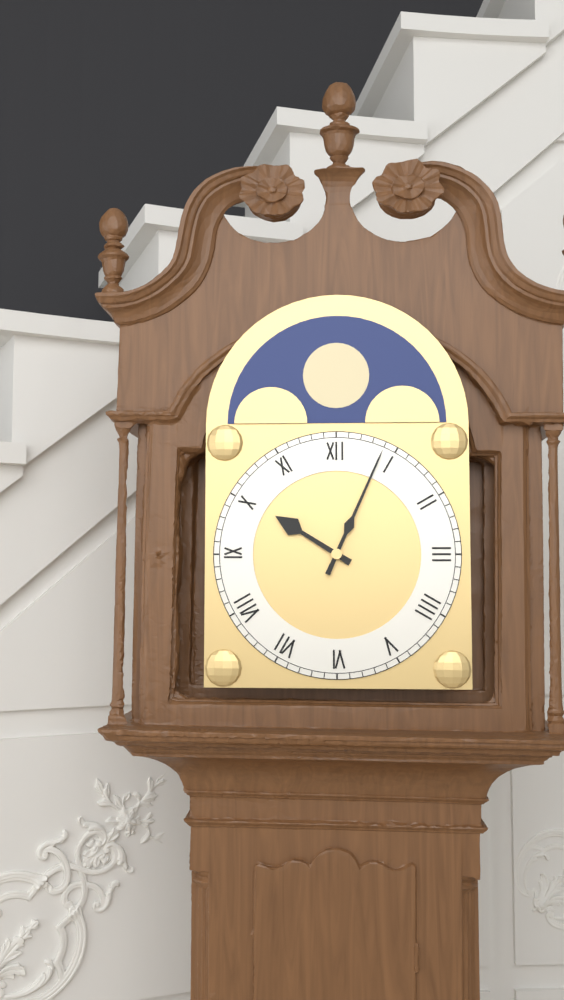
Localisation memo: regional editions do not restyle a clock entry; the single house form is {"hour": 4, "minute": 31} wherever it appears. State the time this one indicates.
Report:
{"hour": 10, "minute": 4}
